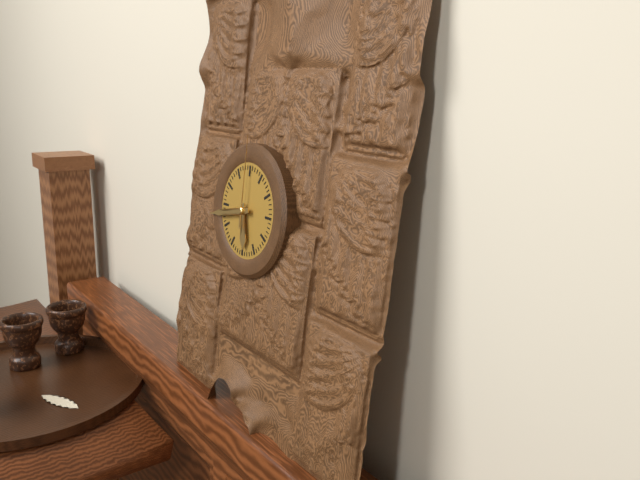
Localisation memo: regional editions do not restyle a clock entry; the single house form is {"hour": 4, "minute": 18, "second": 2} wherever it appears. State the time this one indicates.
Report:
{"hour": 5, "minute": 43, "second": 0}
